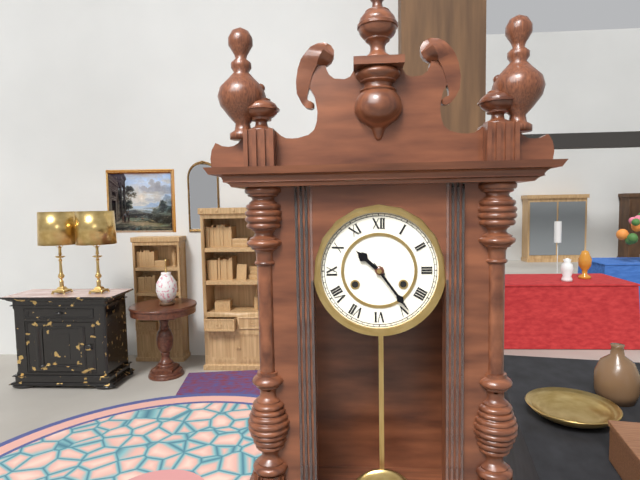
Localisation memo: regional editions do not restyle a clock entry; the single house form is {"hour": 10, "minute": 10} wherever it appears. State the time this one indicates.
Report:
{"hour": 10, "minute": 24}
